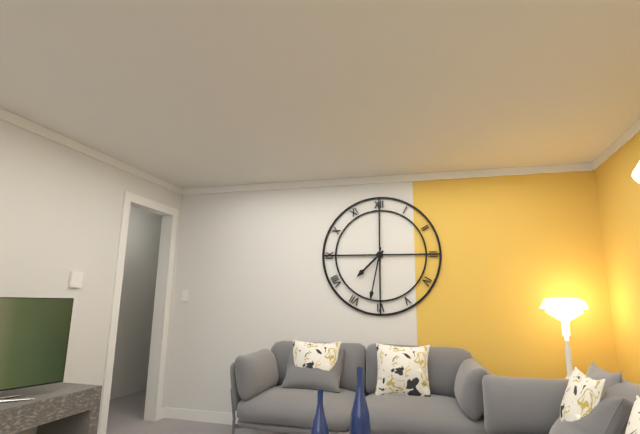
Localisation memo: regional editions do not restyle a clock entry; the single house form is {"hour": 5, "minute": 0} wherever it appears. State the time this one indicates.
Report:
{"hour": 7, "minute": 32}
